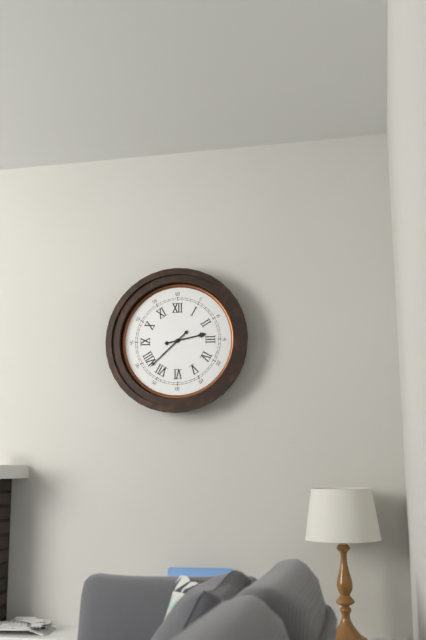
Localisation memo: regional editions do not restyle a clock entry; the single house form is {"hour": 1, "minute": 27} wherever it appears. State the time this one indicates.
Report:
{"hour": 2, "minute": 38}
